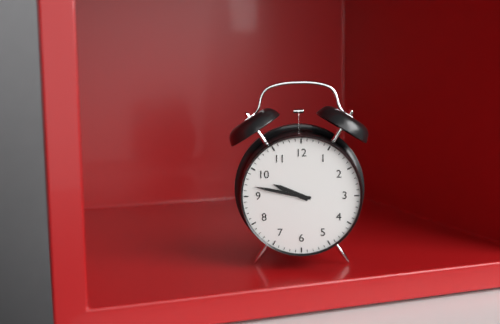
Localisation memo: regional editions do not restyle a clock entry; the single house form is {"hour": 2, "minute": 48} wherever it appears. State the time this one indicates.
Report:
{"hour": 9, "minute": 47}
